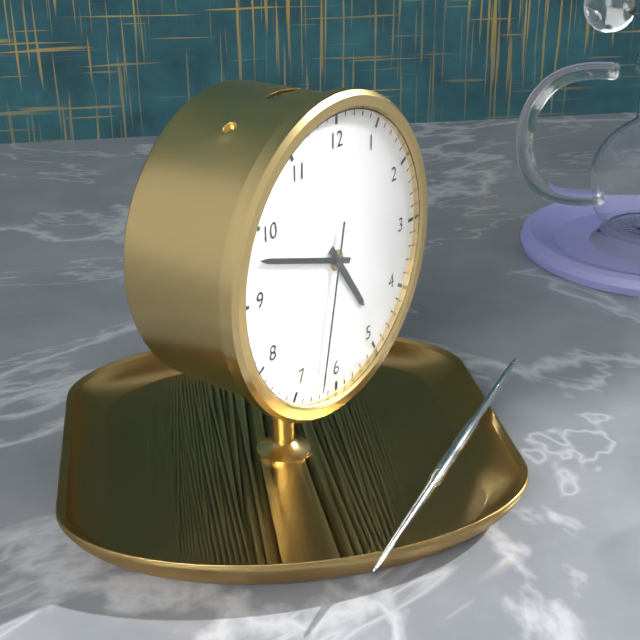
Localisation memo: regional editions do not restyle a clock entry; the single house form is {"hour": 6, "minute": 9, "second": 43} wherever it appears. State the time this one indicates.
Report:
{"hour": 4, "minute": 48, "second": 32}
